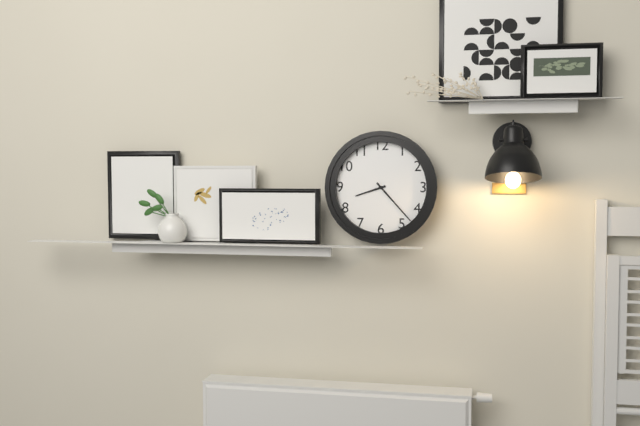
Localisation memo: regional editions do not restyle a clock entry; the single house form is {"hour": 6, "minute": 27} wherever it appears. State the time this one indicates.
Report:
{"hour": 8, "minute": 23}
